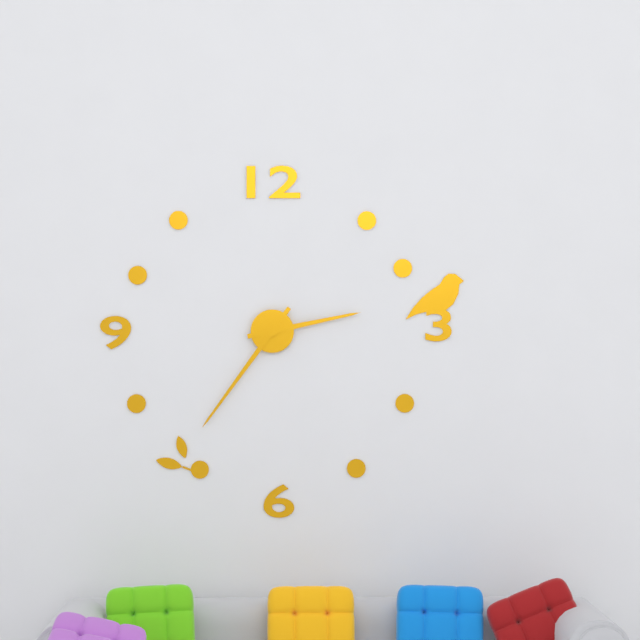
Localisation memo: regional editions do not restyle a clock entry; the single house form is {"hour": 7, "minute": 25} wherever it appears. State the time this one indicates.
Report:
{"hour": 2, "minute": 36}
